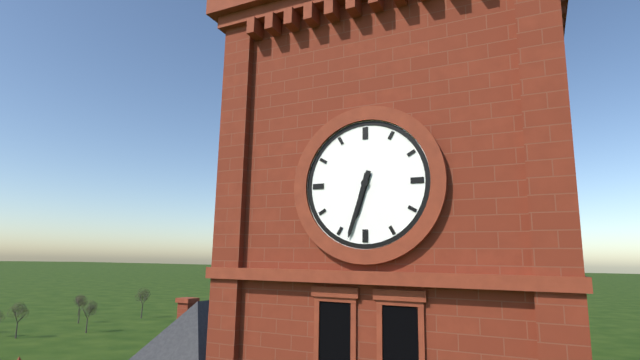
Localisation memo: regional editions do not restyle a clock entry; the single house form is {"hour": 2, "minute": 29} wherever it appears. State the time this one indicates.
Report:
{"hour": 6, "minute": 33}
